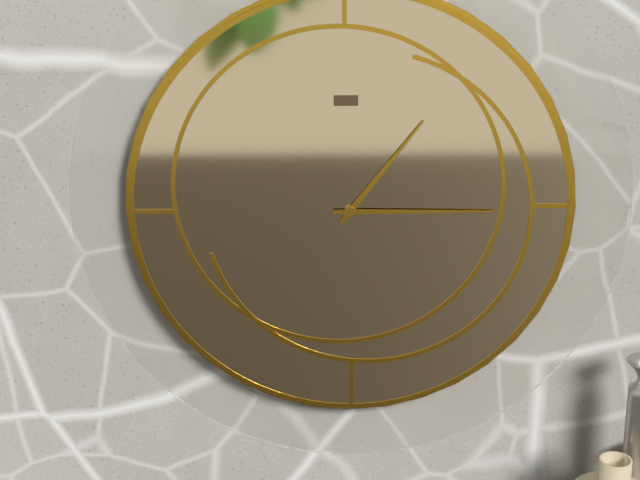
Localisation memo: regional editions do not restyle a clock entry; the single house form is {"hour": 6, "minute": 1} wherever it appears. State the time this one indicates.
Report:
{"hour": 1, "minute": 15}
